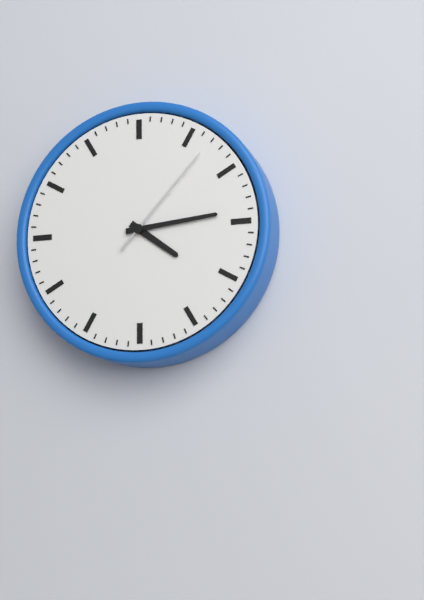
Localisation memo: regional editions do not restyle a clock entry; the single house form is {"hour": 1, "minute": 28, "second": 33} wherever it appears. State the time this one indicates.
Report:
{"hour": 4, "minute": 14, "second": 7}
